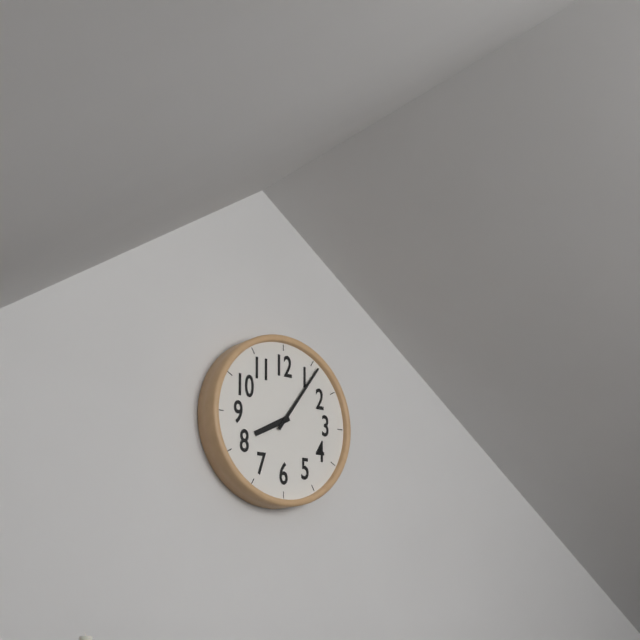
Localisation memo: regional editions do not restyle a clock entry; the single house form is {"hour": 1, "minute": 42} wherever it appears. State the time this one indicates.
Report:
{"hour": 8, "minute": 6}
